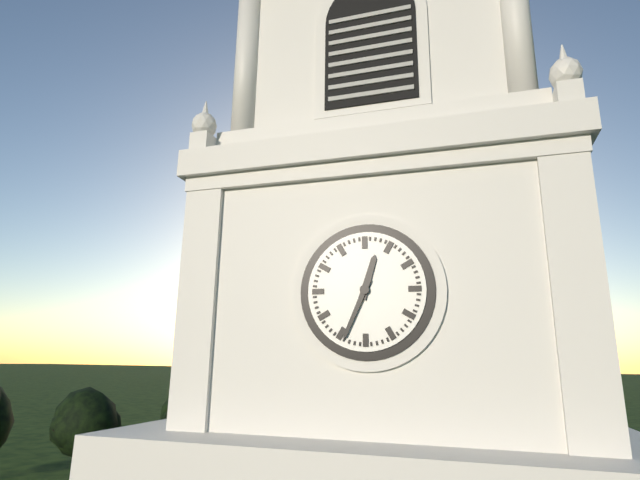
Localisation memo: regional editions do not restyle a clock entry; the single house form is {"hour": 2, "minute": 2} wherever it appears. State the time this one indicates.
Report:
{"hour": 12, "minute": 34}
